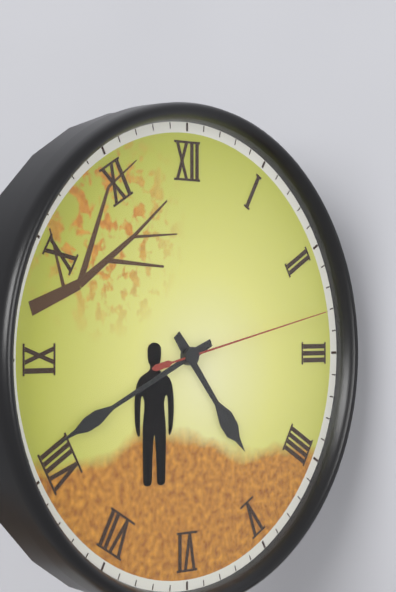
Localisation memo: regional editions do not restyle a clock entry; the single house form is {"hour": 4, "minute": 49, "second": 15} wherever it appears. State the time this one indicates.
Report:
{"hour": 4, "minute": 41, "second": 13}
